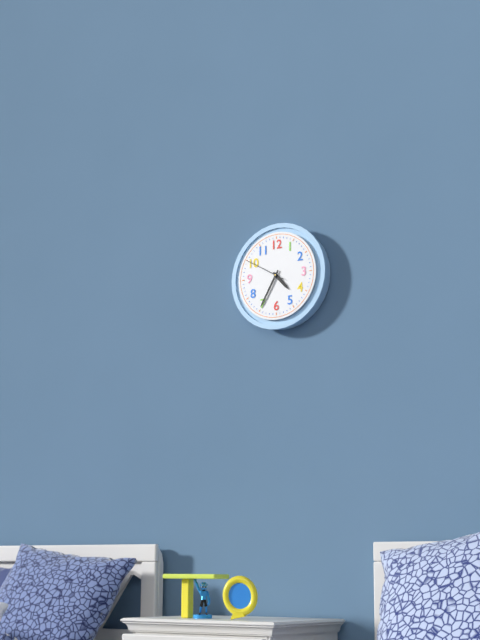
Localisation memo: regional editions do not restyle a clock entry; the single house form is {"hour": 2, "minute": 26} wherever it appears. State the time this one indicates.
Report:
{"hour": 4, "minute": 35}
